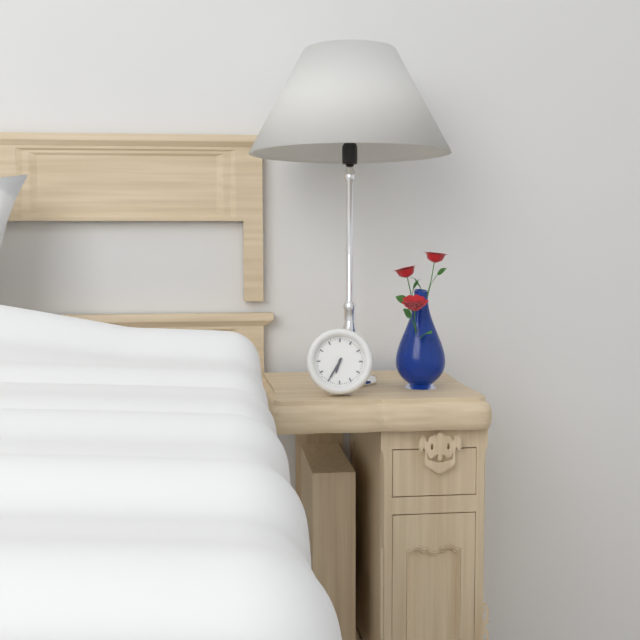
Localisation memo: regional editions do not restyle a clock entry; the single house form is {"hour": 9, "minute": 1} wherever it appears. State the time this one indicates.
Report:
{"hour": 6, "minute": 35}
